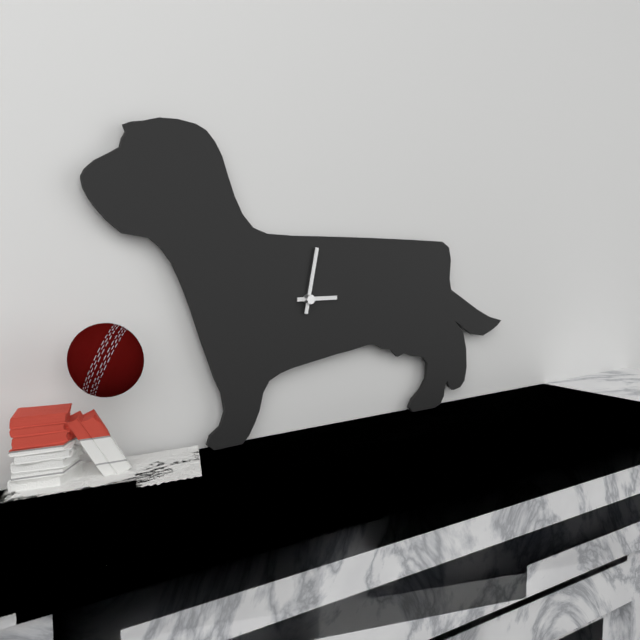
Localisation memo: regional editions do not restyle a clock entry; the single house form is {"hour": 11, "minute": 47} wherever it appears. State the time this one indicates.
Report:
{"hour": 3, "minute": 2}
